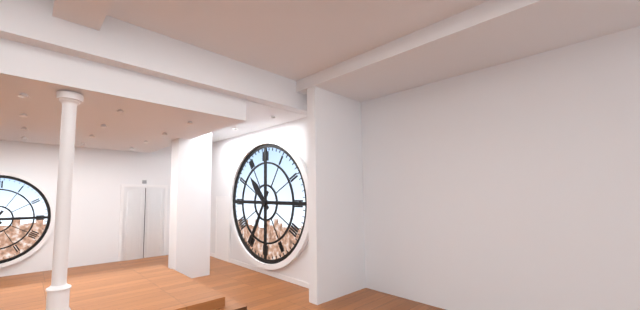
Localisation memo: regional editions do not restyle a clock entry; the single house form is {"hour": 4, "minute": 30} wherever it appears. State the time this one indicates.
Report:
{"hour": 10, "minute": 35}
